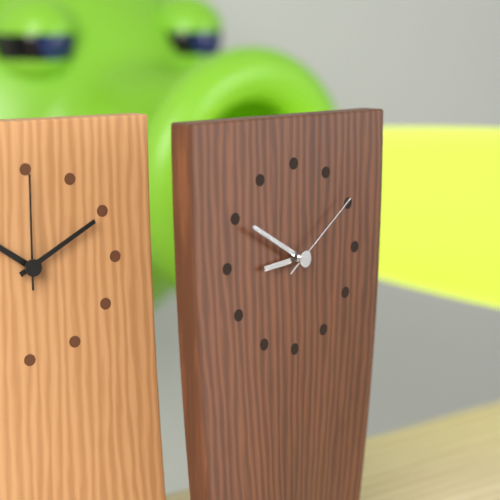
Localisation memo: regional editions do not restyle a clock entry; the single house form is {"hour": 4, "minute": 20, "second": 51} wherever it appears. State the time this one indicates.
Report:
{"hour": 8, "minute": 50, "second": 9}
